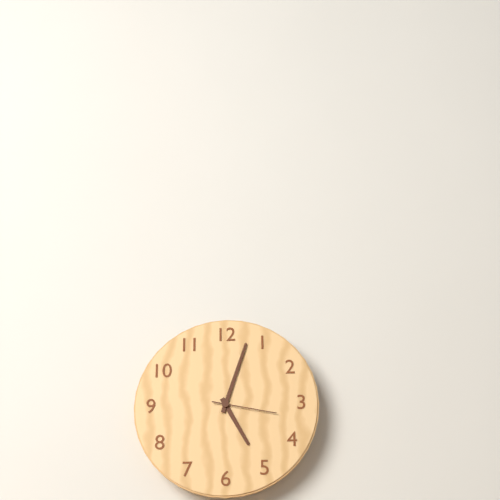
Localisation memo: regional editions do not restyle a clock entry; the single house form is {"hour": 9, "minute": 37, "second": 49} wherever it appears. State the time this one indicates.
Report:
{"hour": 5, "minute": 3, "second": 17}
